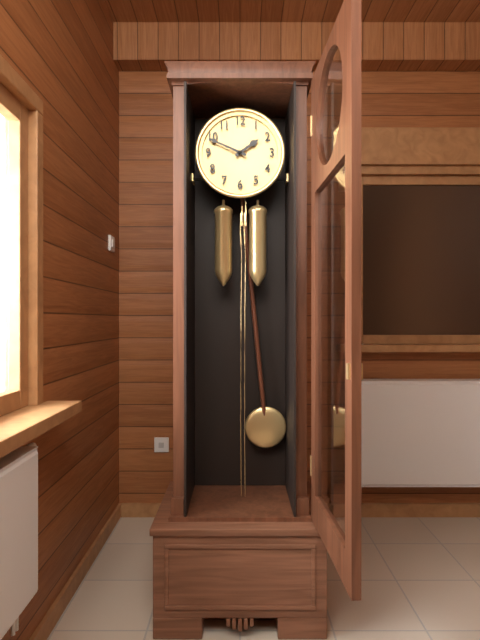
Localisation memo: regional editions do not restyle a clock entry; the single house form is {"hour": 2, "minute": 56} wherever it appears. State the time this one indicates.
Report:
{"hour": 1, "minute": 49}
